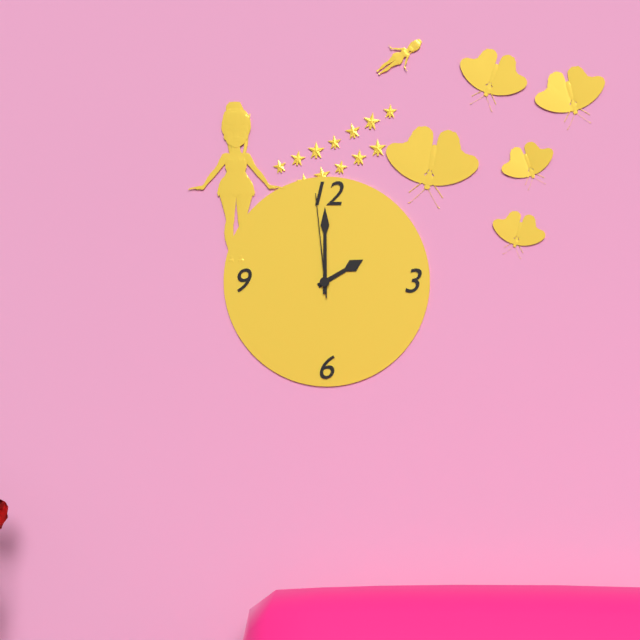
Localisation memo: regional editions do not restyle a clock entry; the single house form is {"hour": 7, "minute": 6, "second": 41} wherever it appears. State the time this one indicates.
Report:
{"hour": 2, "minute": 0, "second": 59}
